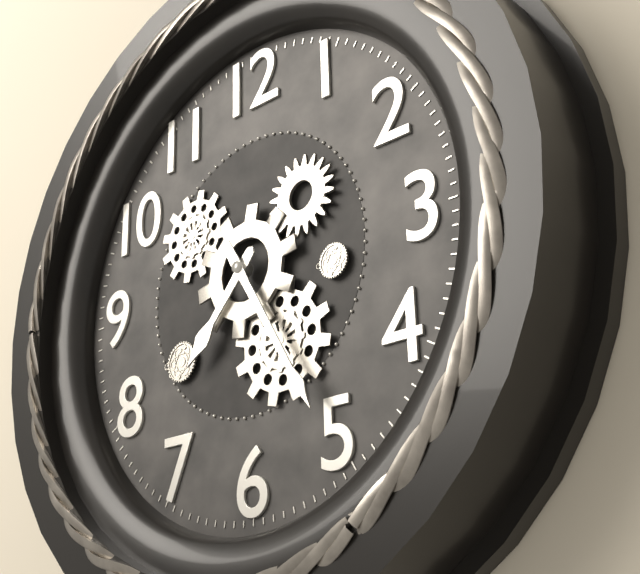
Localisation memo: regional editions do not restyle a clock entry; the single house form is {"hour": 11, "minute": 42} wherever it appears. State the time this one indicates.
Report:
{"hour": 7, "minute": 25}
